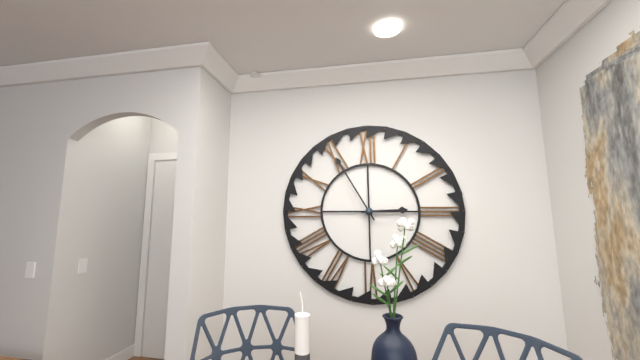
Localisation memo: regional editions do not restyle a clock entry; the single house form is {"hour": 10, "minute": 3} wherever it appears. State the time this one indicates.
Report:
{"hour": 2, "minute": 55}
